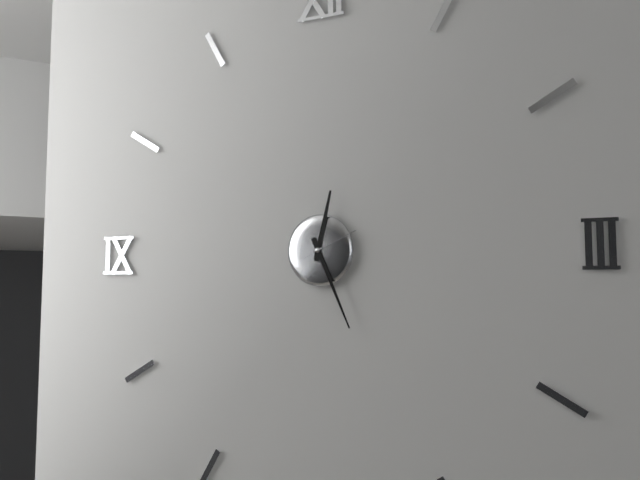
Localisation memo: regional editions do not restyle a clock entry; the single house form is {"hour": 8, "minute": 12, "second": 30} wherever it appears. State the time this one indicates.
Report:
{"hour": 12, "minute": 26, "second": 11}
